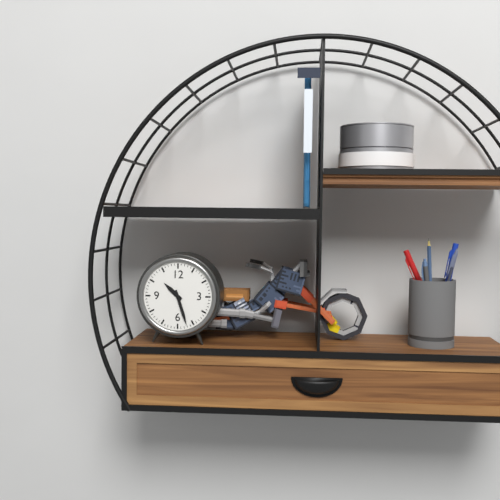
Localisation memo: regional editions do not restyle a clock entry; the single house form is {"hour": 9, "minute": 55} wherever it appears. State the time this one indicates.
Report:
{"hour": 10, "minute": 27}
